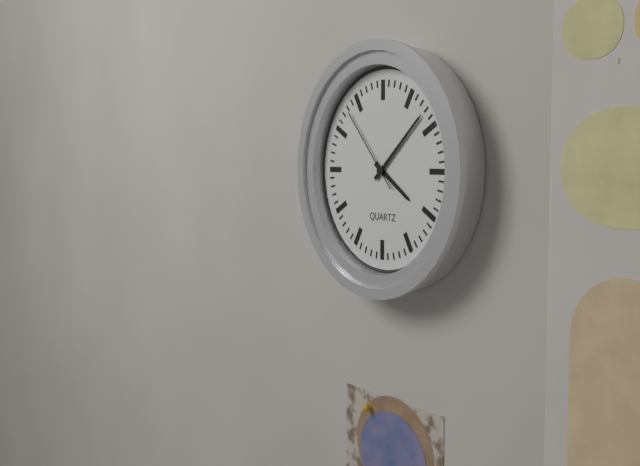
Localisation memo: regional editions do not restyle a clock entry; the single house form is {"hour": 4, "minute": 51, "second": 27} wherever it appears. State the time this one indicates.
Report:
{"hour": 4, "minute": 8, "second": 53}
